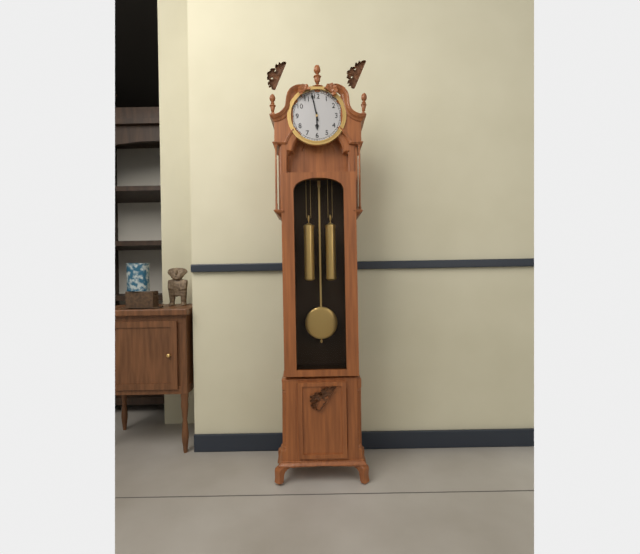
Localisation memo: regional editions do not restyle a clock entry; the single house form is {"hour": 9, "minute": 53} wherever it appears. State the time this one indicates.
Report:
{"hour": 5, "minute": 58}
